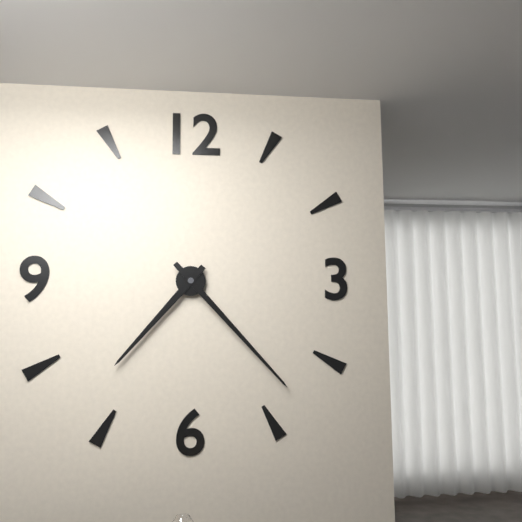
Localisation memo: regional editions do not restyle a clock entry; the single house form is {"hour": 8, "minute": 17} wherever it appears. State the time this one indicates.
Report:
{"hour": 7, "minute": 23}
